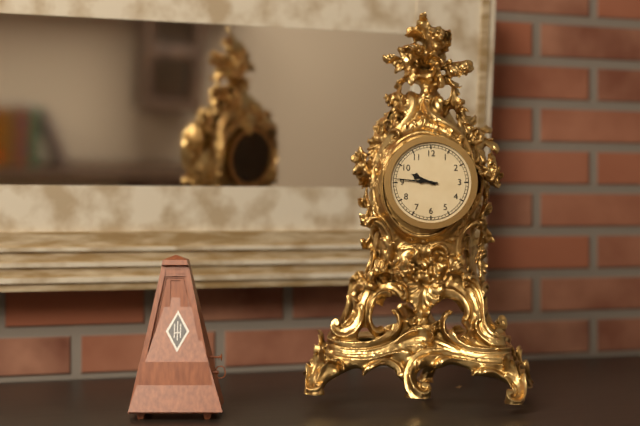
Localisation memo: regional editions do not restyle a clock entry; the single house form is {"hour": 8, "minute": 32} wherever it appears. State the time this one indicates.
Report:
{"hour": 9, "minute": 46}
